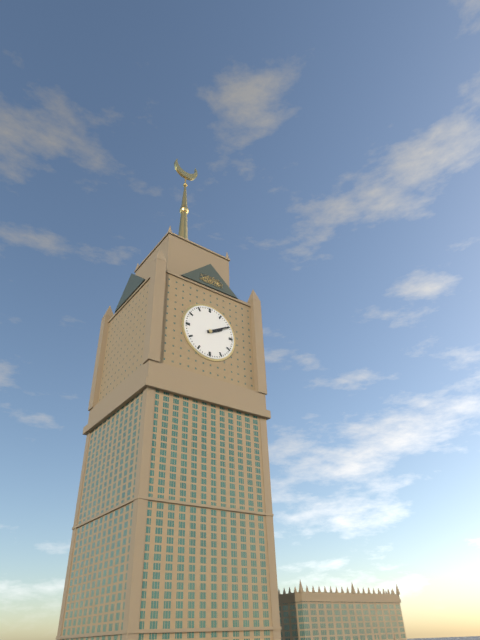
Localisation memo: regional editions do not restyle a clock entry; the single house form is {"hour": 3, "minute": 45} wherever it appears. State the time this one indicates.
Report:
{"hour": 2, "minute": 10}
